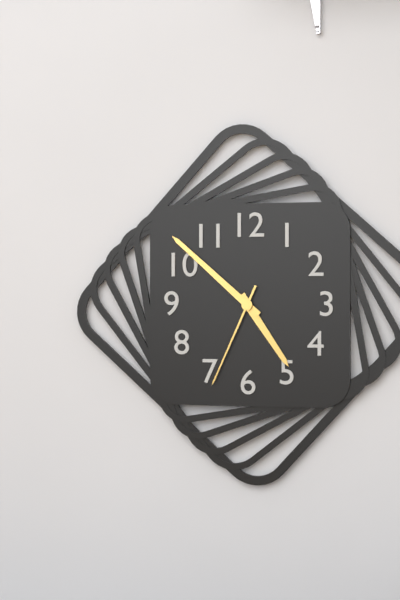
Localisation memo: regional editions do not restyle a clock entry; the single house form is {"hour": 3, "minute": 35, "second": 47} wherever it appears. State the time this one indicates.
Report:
{"hour": 4, "minute": 52, "second": 34}
